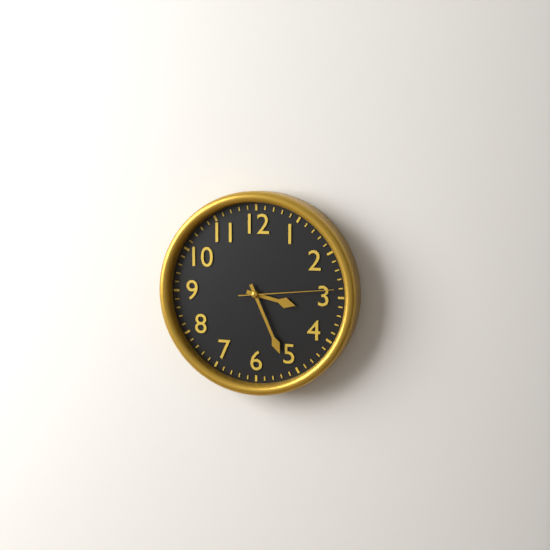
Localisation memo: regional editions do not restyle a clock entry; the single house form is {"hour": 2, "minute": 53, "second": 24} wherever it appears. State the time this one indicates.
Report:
{"hour": 3, "minute": 26, "second": 14}
